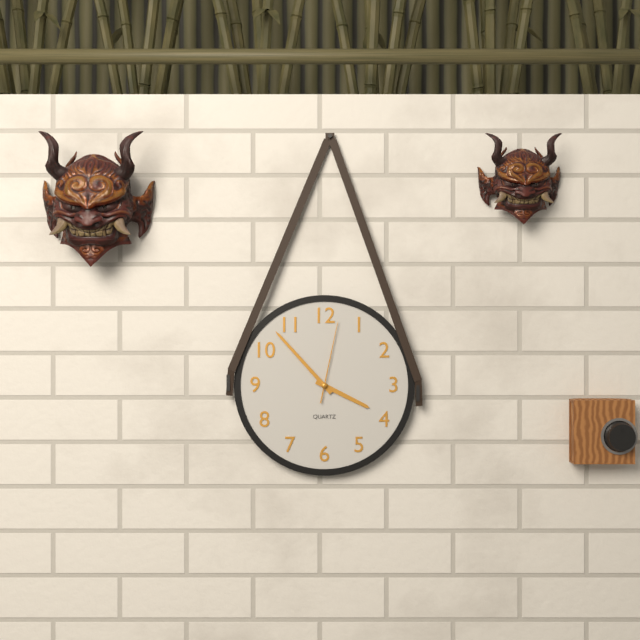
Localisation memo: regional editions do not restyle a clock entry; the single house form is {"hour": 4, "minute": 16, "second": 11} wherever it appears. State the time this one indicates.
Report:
{"hour": 3, "minute": 53, "second": 2}
